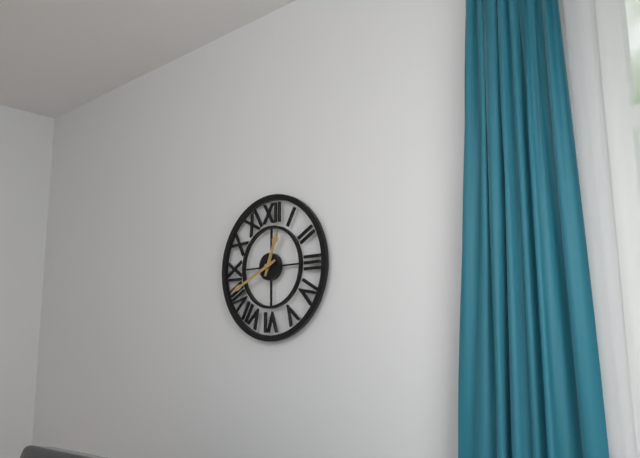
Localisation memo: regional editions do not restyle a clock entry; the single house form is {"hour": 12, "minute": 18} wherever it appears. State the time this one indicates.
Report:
{"hour": 12, "minute": 41}
